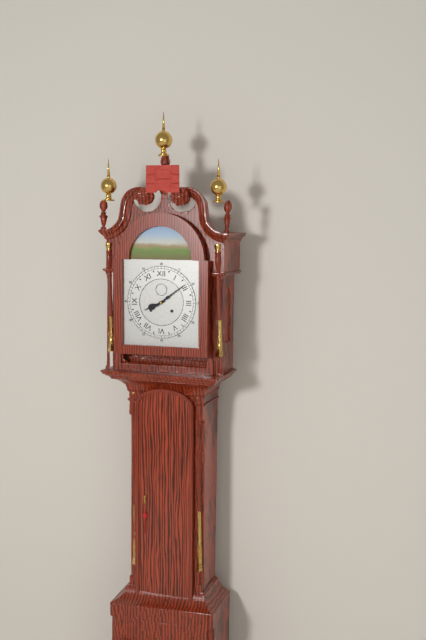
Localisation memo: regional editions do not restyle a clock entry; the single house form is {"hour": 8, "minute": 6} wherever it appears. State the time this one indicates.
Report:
{"hour": 8, "minute": 9}
